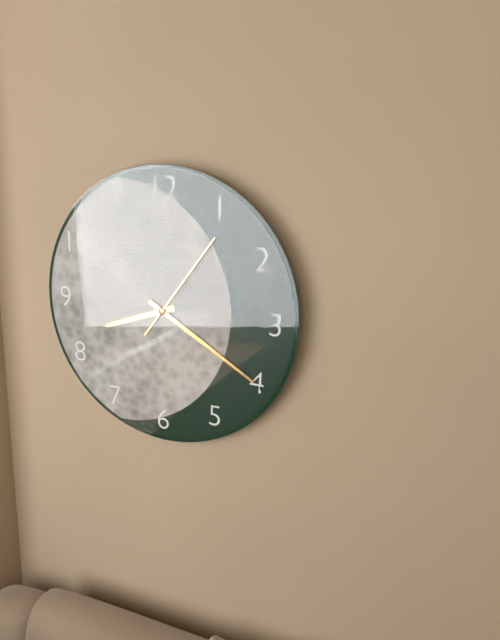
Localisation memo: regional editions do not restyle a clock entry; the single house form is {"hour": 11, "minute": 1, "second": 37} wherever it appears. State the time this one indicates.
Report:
{"hour": 8, "minute": 20, "second": 6}
